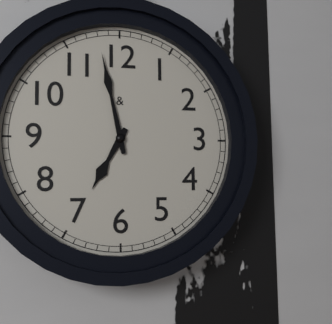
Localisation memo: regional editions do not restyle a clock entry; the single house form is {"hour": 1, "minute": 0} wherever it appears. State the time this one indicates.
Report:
{"hour": 6, "minute": 58}
